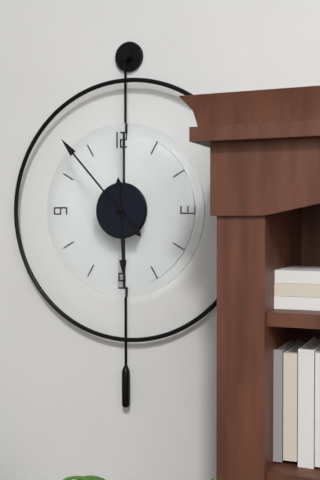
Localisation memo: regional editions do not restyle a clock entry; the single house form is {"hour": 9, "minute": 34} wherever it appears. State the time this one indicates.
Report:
{"hour": 5, "minute": 53}
